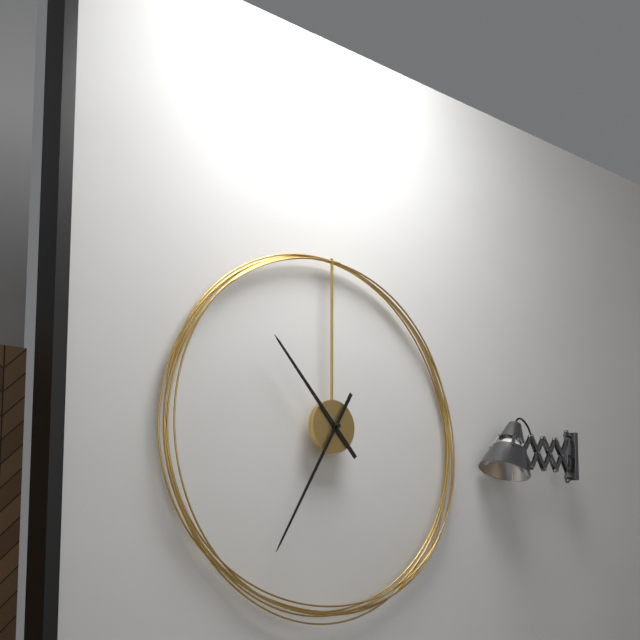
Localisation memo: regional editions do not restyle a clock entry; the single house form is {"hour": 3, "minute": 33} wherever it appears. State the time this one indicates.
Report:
{"hour": 10, "minute": 35}
